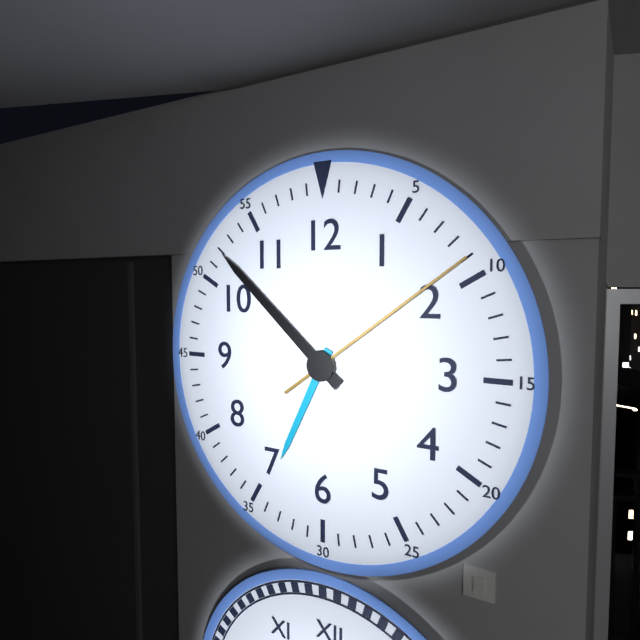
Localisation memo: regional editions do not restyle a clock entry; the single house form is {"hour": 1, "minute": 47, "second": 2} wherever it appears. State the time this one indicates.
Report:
{"hour": 6, "minute": 52, "second": 9}
